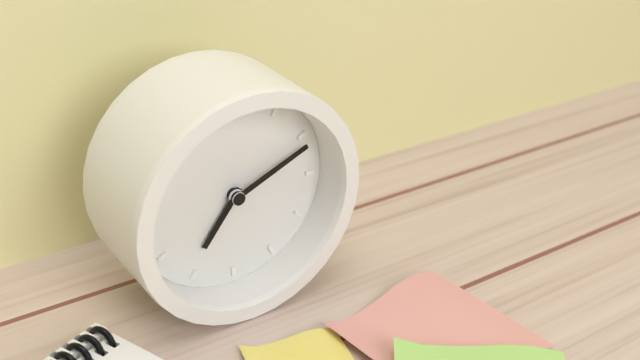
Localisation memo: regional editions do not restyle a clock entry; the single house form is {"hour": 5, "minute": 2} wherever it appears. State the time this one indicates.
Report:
{"hour": 7, "minute": 11}
